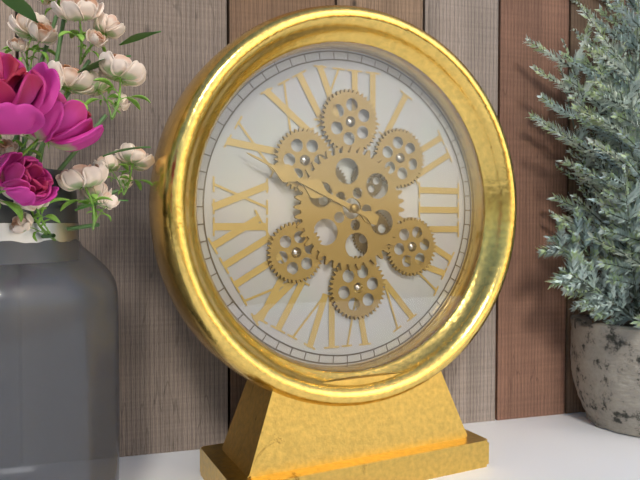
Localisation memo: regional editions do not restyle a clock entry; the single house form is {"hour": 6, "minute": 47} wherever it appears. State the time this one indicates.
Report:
{"hour": 9, "minute": 49}
